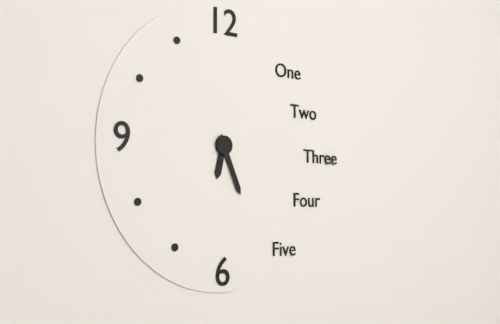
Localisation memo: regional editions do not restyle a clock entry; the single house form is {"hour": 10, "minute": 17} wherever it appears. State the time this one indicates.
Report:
{"hour": 6, "minute": 26}
